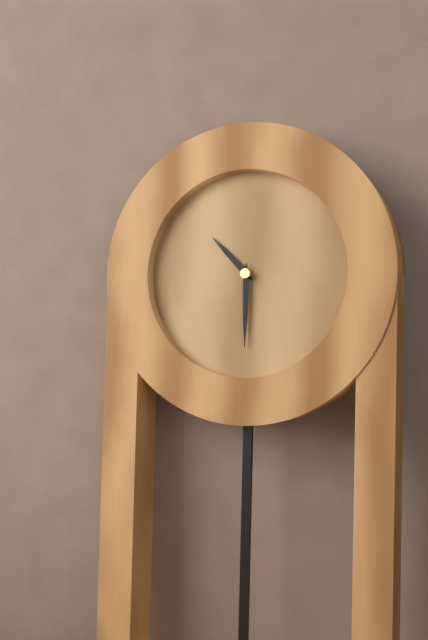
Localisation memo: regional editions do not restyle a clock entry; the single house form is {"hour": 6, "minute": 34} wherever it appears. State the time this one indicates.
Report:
{"hour": 10, "minute": 30}
